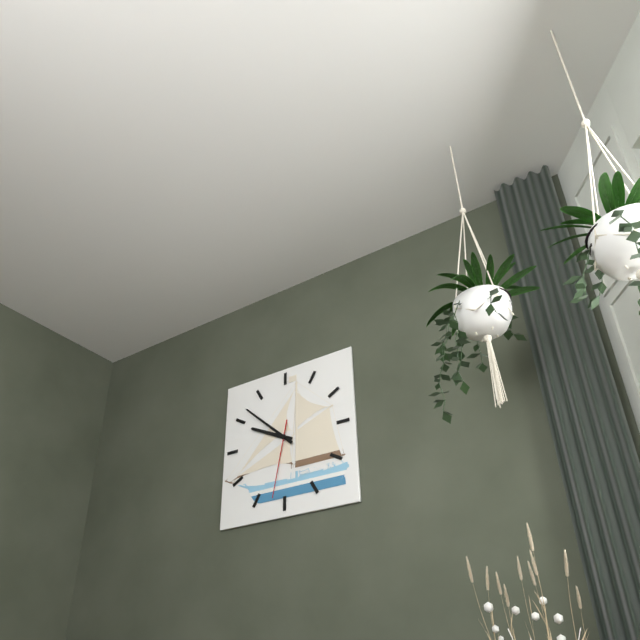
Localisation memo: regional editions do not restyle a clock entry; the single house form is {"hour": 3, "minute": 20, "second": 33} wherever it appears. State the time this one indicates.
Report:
{"hour": 9, "minute": 52, "second": 32}
